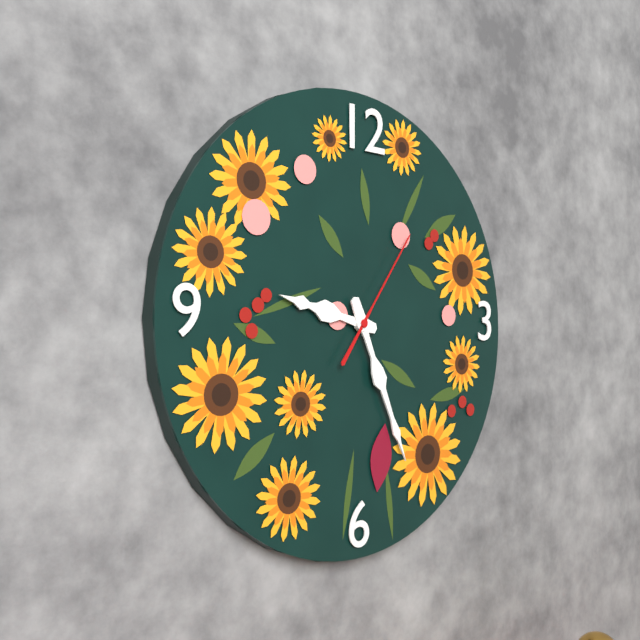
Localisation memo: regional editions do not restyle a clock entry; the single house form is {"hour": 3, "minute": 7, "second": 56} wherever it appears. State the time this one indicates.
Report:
{"hour": 9, "minute": 26, "second": 6}
